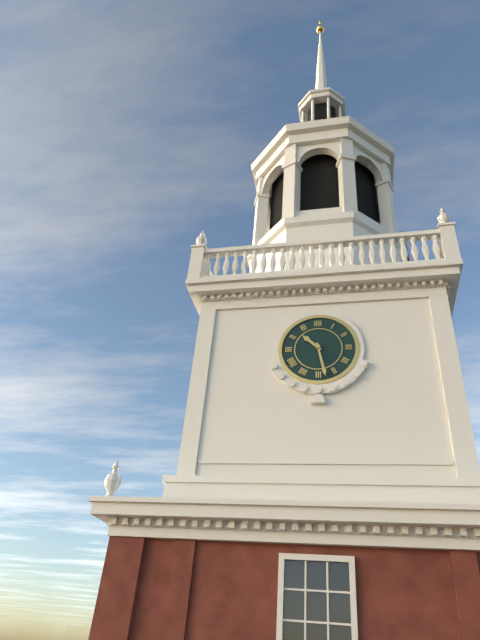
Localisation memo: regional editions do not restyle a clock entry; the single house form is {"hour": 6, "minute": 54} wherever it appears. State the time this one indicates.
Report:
{"hour": 10, "minute": 28}
